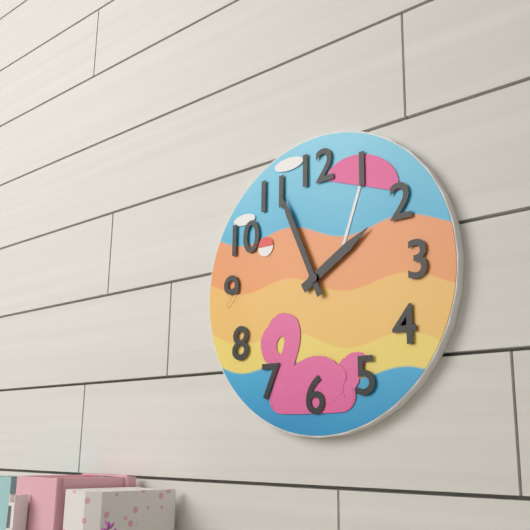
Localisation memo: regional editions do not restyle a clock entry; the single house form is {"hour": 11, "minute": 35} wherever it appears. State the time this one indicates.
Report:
{"hour": 1, "minute": 56}
